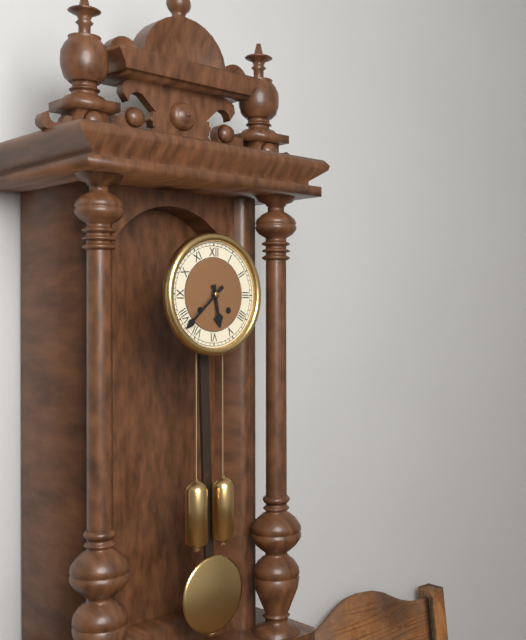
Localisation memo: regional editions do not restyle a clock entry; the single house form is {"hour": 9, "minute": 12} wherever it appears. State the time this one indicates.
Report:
{"hour": 5, "minute": 38}
